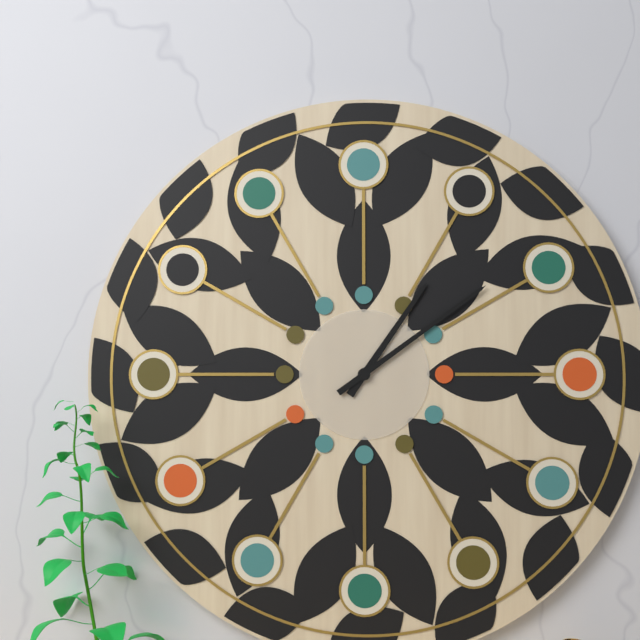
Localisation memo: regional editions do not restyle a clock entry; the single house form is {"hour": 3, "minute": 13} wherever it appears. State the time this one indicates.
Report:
{"hour": 1, "minute": 9}
